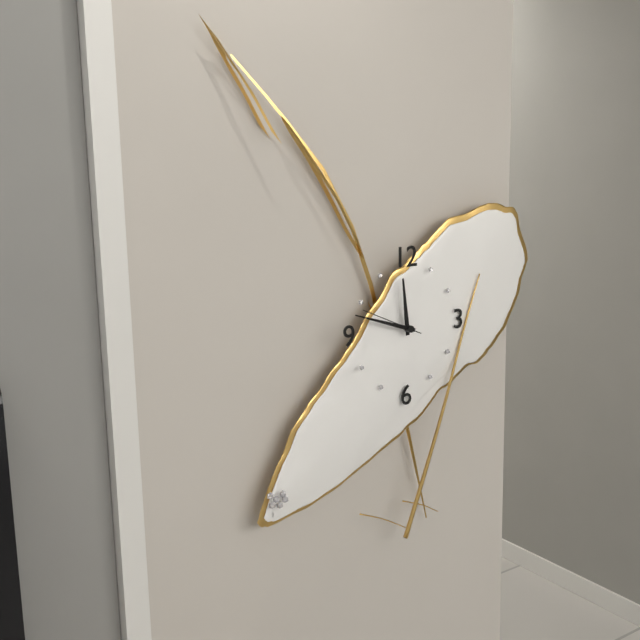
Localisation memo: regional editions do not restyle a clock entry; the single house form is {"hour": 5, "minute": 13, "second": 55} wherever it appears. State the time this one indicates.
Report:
{"hour": 11, "minute": 48, "second": 49}
